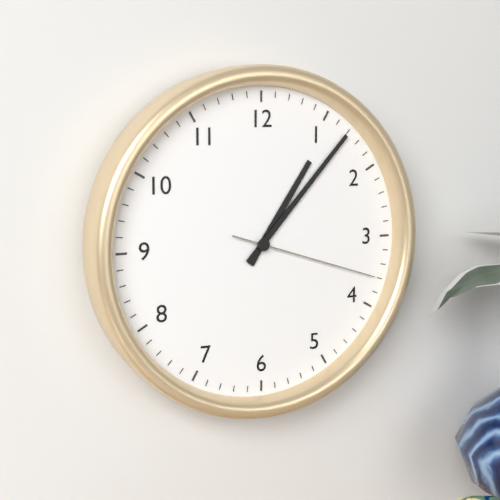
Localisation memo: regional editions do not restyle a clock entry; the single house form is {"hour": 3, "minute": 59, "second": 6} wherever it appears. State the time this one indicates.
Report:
{"hour": 1, "minute": 7, "second": 18}
